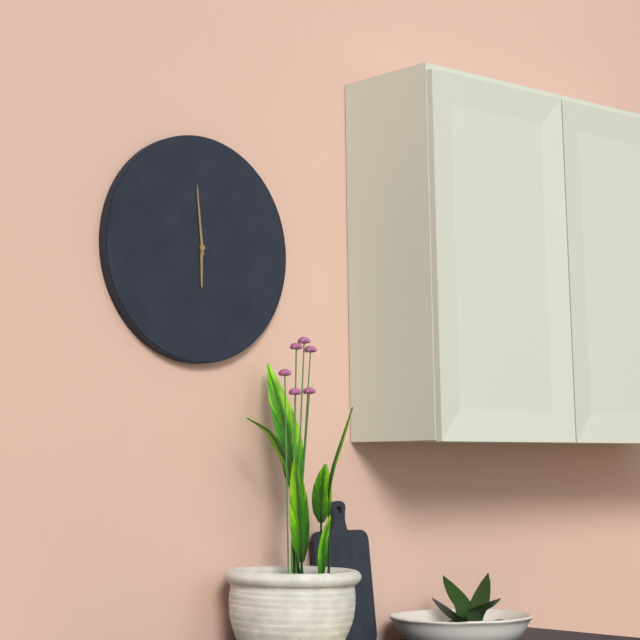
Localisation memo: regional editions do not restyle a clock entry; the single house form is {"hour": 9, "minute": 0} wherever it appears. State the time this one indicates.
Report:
{"hour": 5, "minute": 59}
